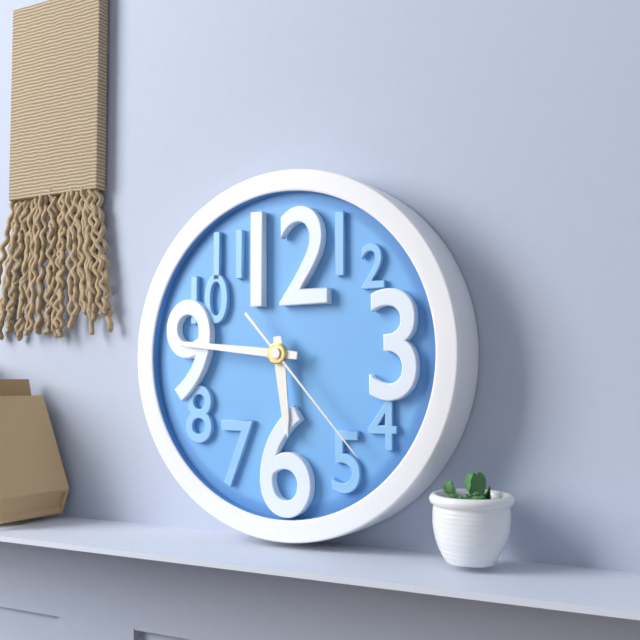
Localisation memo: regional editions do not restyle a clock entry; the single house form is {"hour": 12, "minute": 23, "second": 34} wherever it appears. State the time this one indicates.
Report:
{"hour": 5, "minute": 46, "second": 23}
